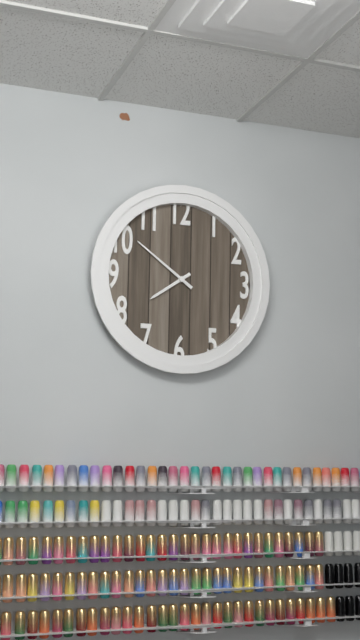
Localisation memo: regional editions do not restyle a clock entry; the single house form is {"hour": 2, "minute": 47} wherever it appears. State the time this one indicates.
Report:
{"hour": 7, "minute": 51}
